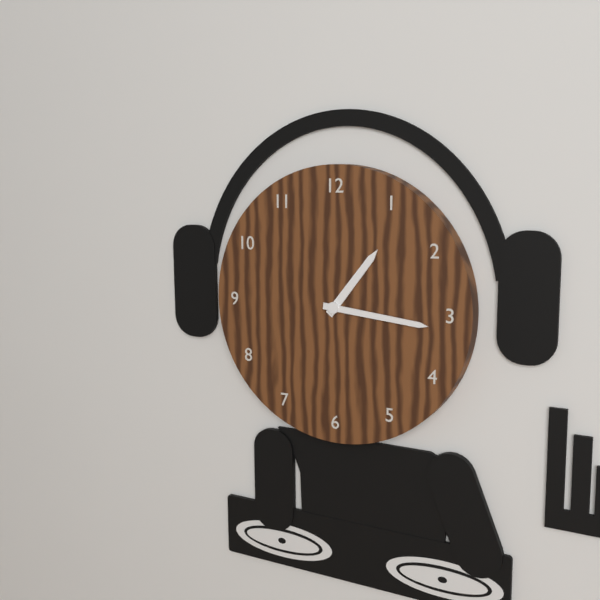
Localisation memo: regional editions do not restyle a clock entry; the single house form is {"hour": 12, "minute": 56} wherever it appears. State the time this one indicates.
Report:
{"hour": 1, "minute": 16}
